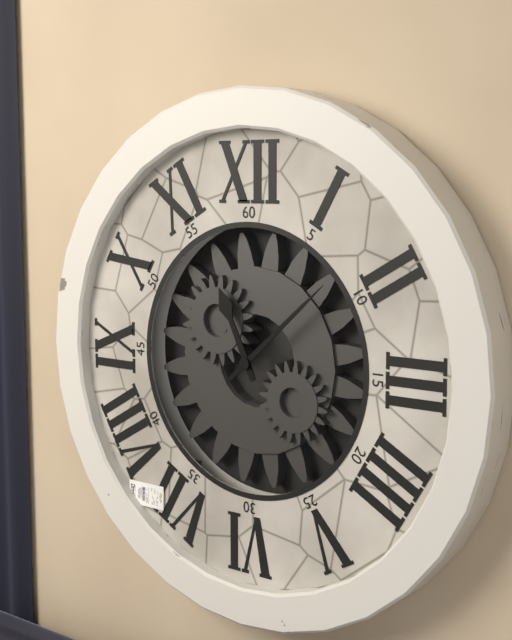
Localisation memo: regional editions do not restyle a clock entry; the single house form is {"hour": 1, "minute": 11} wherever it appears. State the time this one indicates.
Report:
{"hour": 11, "minute": 8}
